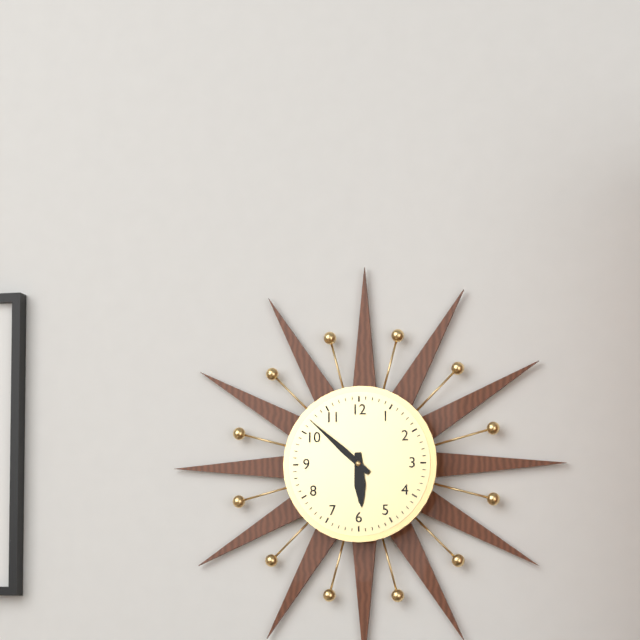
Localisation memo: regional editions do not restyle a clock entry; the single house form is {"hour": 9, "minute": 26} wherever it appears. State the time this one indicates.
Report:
{"hour": 5, "minute": 52}
